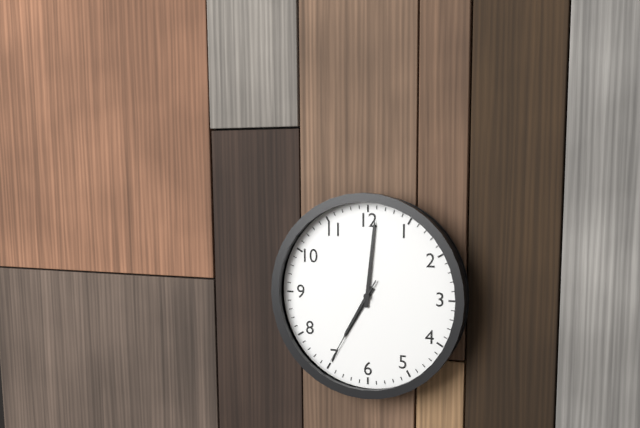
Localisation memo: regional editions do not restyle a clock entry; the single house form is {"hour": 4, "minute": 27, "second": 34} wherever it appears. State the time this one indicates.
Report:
{"hour": 7, "minute": 1, "second": 35}
